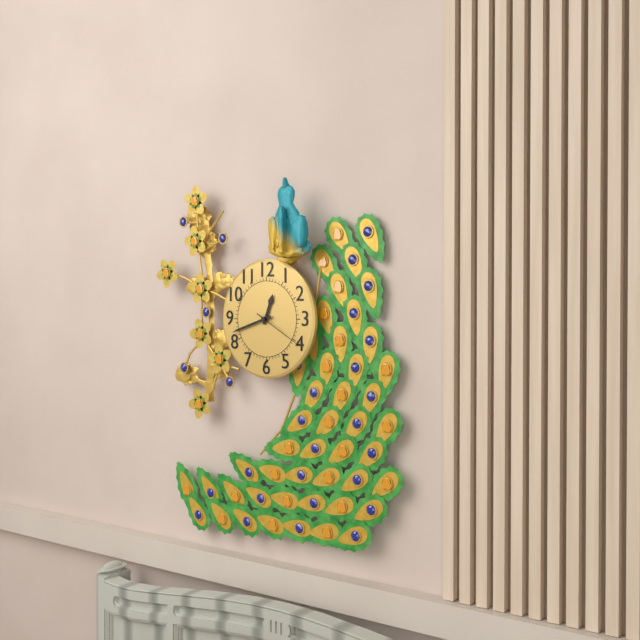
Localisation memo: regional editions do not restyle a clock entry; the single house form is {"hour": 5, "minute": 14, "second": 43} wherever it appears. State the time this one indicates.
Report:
{"hour": 12, "minute": 42, "second": 20}
